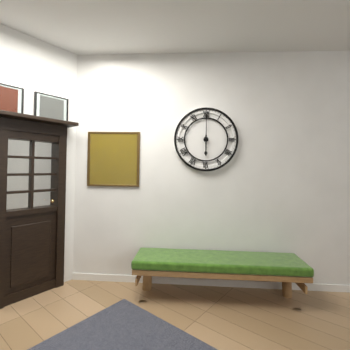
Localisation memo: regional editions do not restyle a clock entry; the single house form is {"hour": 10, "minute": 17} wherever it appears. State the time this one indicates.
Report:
{"hour": 6, "minute": 0}
